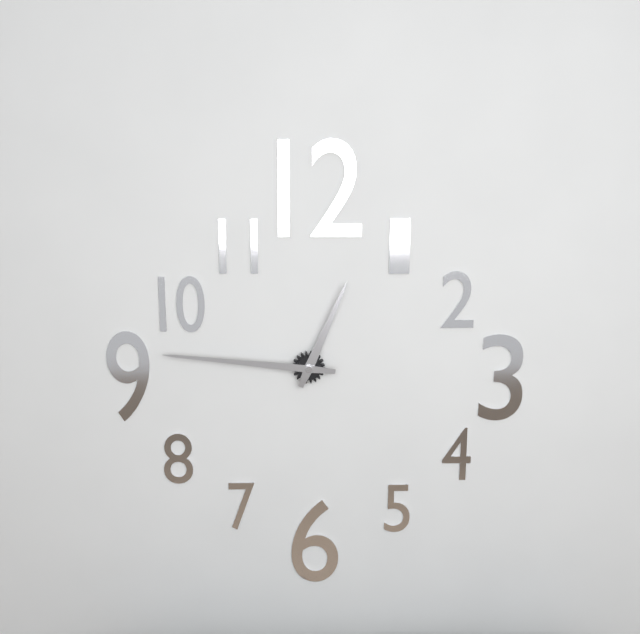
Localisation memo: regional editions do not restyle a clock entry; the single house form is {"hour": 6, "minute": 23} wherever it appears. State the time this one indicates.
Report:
{"hour": 12, "minute": 46}
